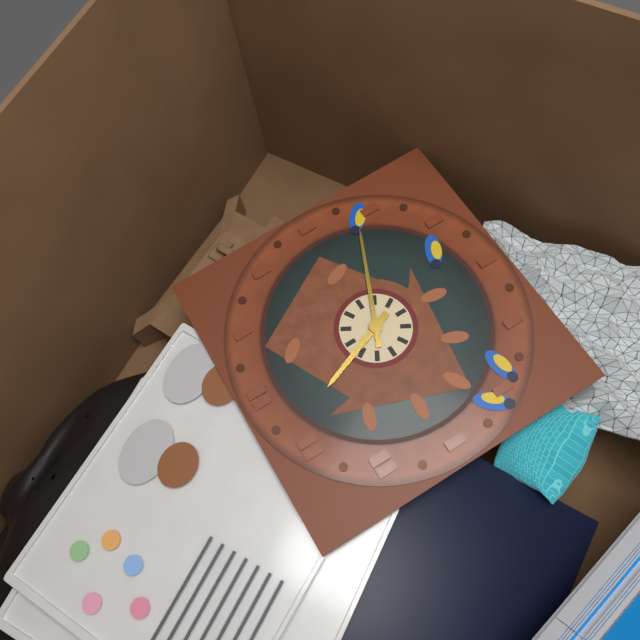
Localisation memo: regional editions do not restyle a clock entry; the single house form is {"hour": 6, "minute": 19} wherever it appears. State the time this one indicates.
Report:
{"hour": 11, "minute": 19}
